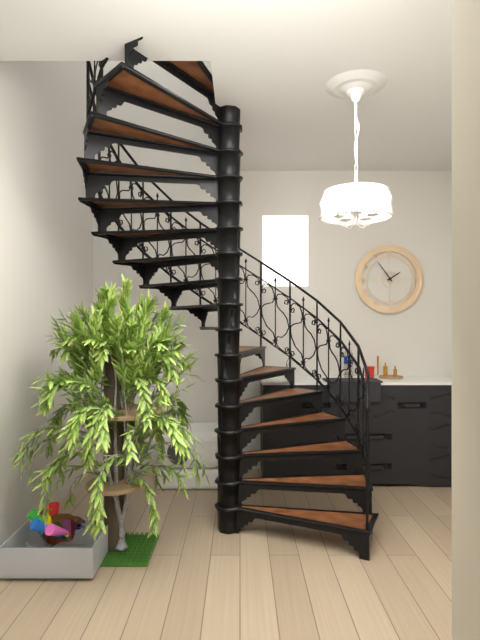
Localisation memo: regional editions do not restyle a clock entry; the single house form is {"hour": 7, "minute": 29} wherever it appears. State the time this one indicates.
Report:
{"hour": 1, "minute": 54}
